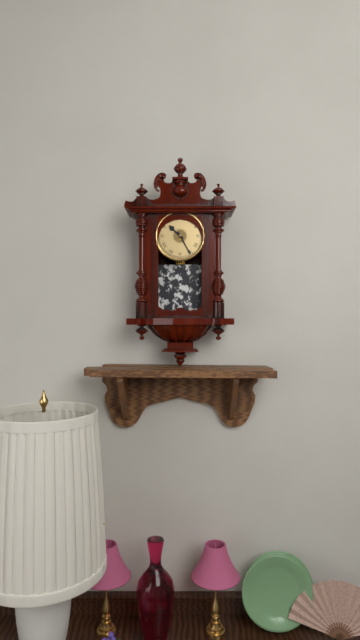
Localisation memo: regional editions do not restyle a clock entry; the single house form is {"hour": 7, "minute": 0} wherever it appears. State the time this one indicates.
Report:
{"hour": 10, "minute": 25}
